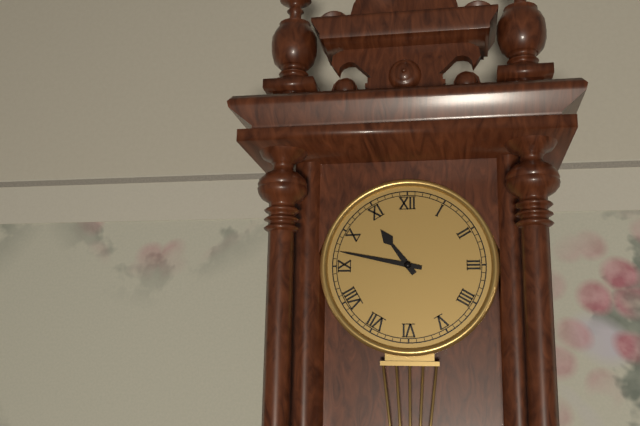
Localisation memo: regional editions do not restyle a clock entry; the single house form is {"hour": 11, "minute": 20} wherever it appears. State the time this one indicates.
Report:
{"hour": 10, "minute": 47}
